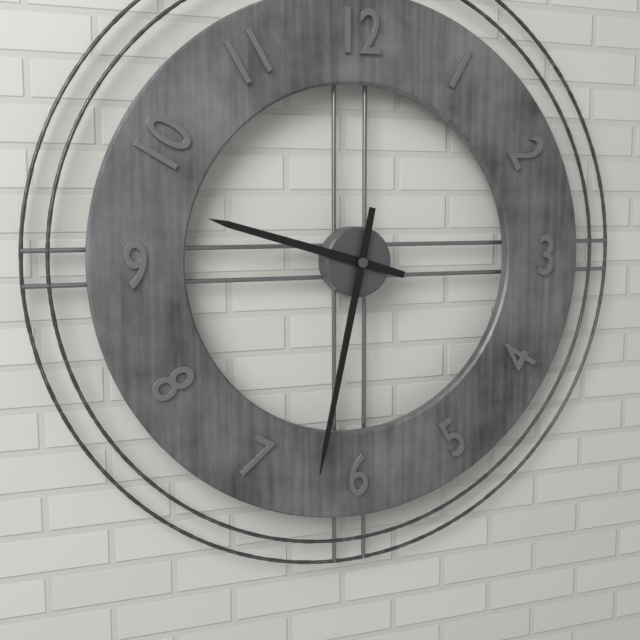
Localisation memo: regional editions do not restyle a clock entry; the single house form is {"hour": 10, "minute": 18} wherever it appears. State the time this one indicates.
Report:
{"hour": 9, "minute": 32}
